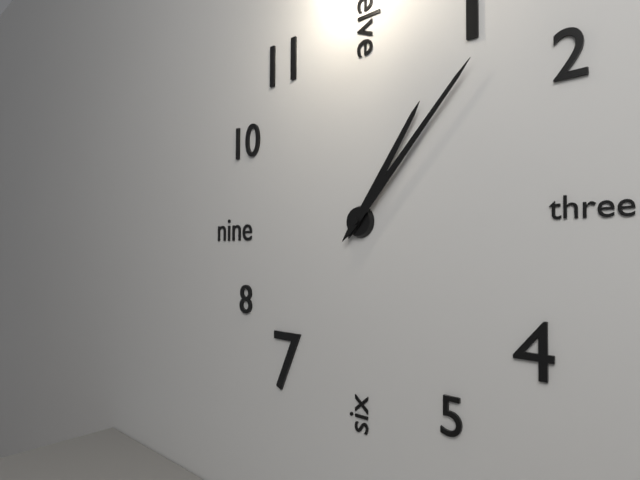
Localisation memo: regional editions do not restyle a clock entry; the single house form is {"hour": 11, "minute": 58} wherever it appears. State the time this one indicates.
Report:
{"hour": 1, "minute": 7}
